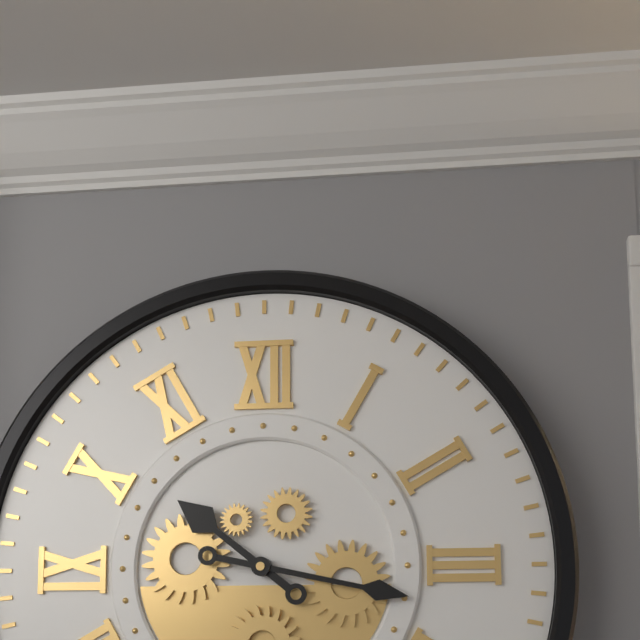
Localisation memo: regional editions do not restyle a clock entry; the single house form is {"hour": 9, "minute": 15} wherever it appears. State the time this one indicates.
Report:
{"hour": 10, "minute": 17}
